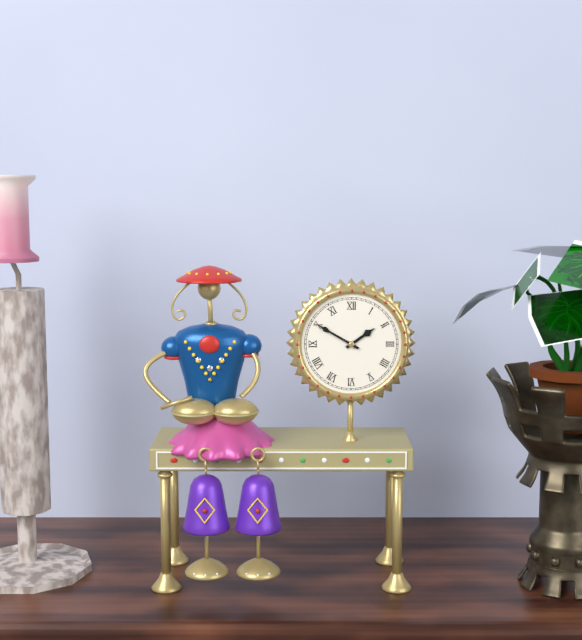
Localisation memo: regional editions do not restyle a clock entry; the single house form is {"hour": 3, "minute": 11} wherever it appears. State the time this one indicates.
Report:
{"hour": 1, "minute": 50}
